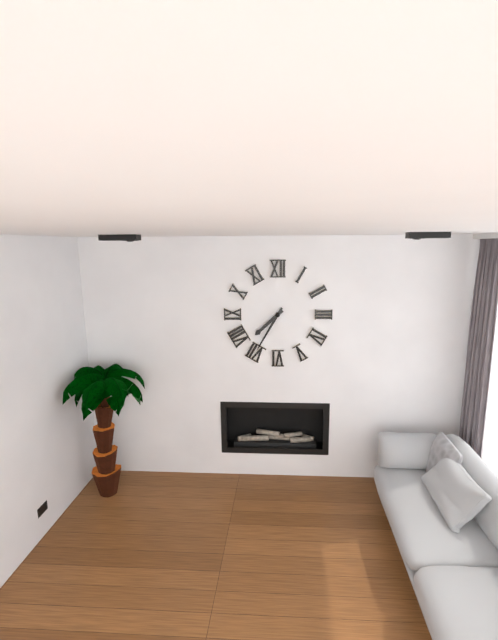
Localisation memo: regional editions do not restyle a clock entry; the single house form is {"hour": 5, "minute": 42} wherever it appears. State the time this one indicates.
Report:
{"hour": 7, "minute": 35}
